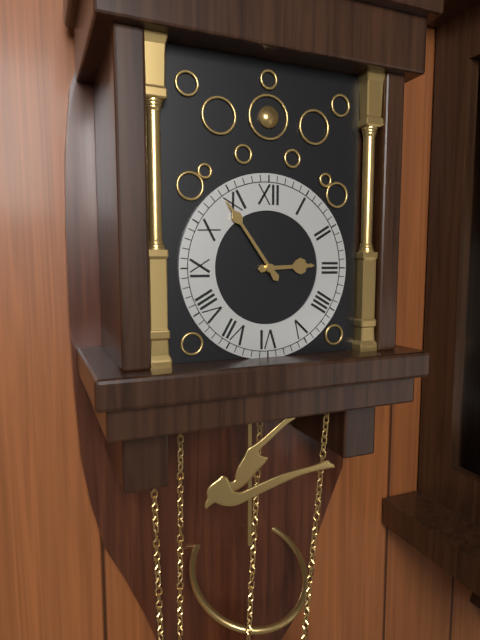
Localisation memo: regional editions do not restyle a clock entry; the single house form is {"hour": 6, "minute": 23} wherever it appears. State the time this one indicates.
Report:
{"hour": 2, "minute": 54}
